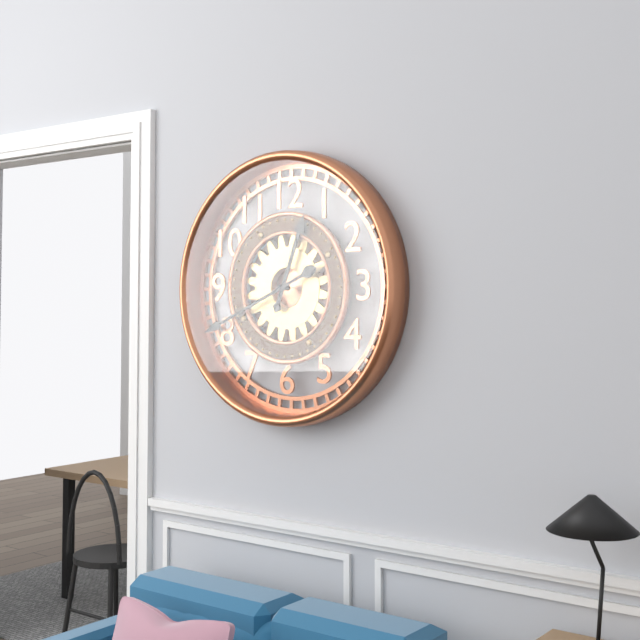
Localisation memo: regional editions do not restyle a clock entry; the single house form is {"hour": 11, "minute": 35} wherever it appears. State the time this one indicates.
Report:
{"hour": 12, "minute": 41}
